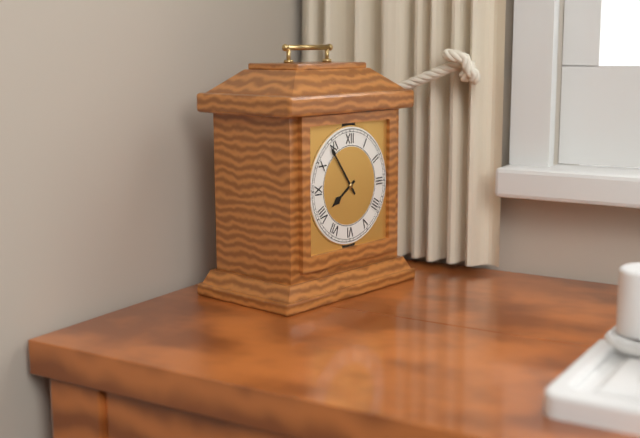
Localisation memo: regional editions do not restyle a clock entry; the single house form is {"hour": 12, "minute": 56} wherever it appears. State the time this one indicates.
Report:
{"hour": 7, "minute": 54}
